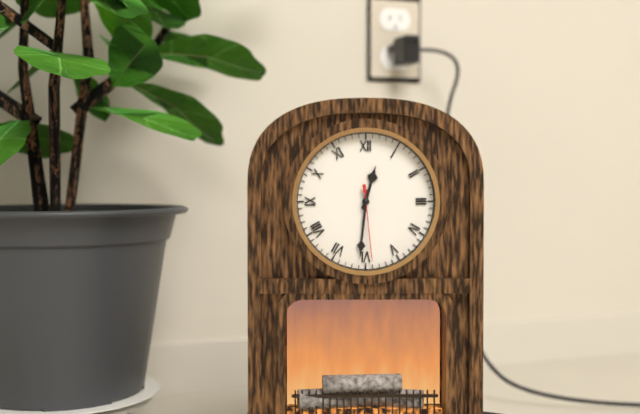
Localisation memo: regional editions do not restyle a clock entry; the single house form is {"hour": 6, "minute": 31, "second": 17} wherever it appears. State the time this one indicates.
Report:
{"hour": 12, "minute": 31, "second": 29}
